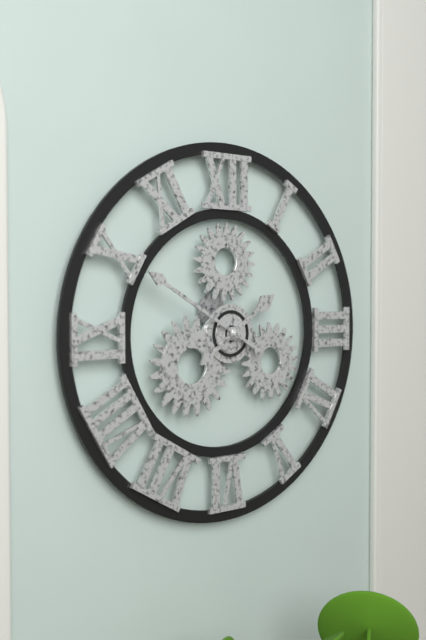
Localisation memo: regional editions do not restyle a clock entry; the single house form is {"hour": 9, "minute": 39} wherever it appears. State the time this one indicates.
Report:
{"hour": 1, "minute": 50}
